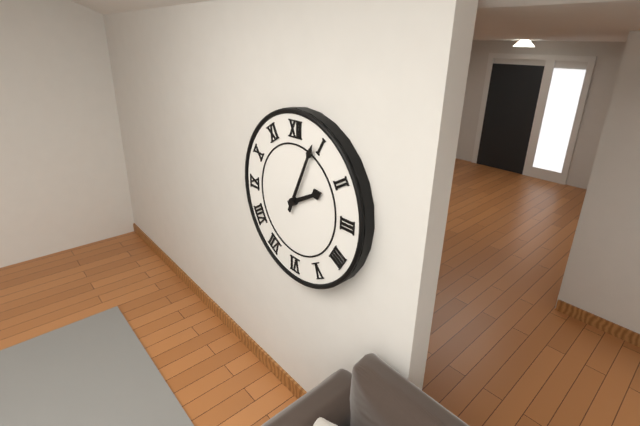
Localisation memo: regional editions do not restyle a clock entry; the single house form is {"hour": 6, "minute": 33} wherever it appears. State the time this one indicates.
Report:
{"hour": 2, "minute": 4}
